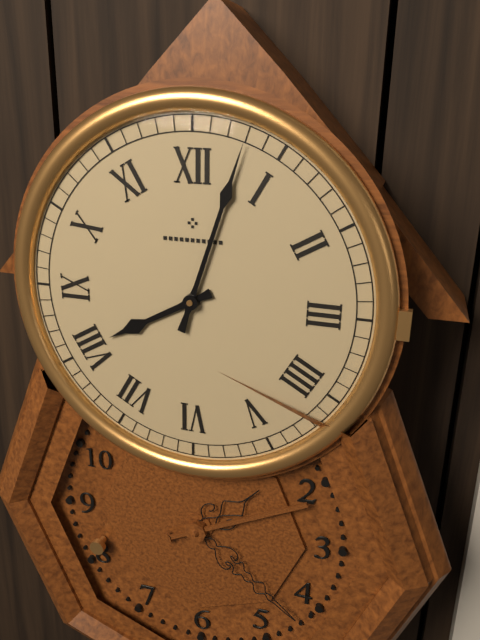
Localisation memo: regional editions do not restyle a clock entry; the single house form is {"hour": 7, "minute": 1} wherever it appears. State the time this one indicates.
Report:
{"hour": 8, "minute": 3}
